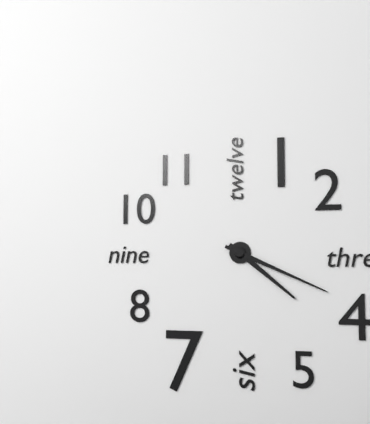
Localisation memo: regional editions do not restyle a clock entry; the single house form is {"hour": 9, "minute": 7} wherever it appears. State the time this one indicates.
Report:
{"hour": 4, "minute": 19}
